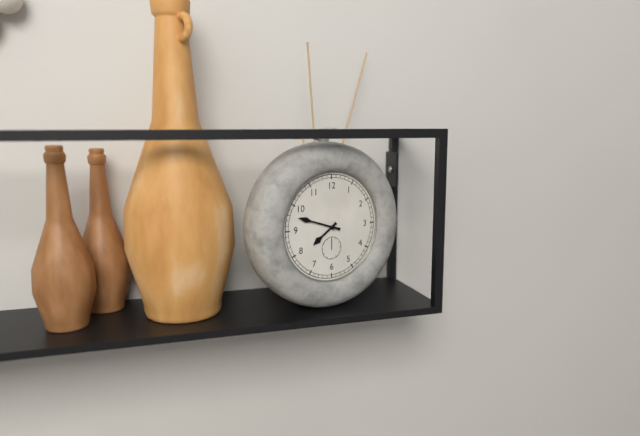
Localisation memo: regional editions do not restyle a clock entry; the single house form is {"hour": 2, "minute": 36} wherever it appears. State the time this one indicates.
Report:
{"hour": 7, "minute": 48}
